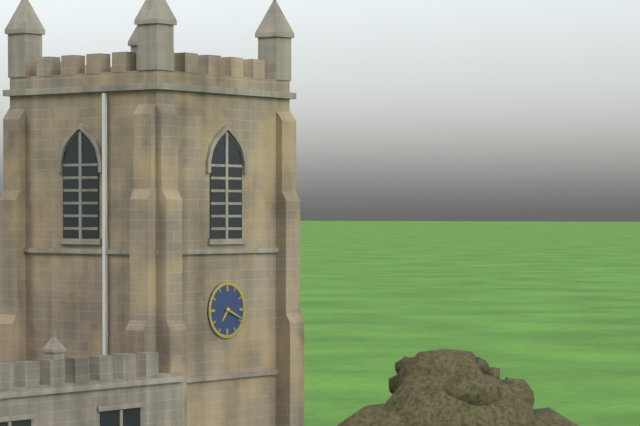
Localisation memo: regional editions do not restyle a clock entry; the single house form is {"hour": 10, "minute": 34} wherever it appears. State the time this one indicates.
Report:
{"hour": 7, "minute": 19}
